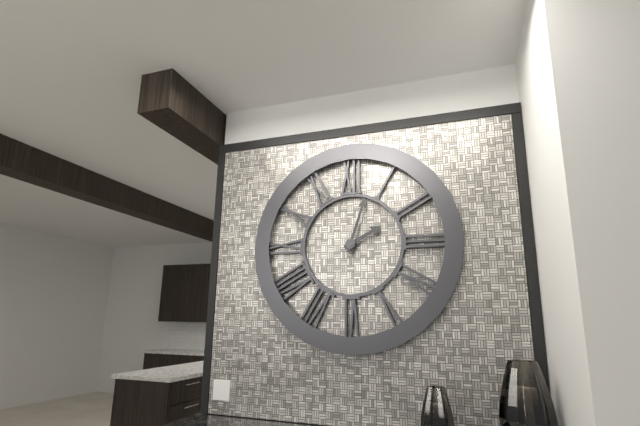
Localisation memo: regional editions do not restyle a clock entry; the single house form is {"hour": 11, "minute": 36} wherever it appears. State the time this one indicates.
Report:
{"hour": 2, "minute": 3}
